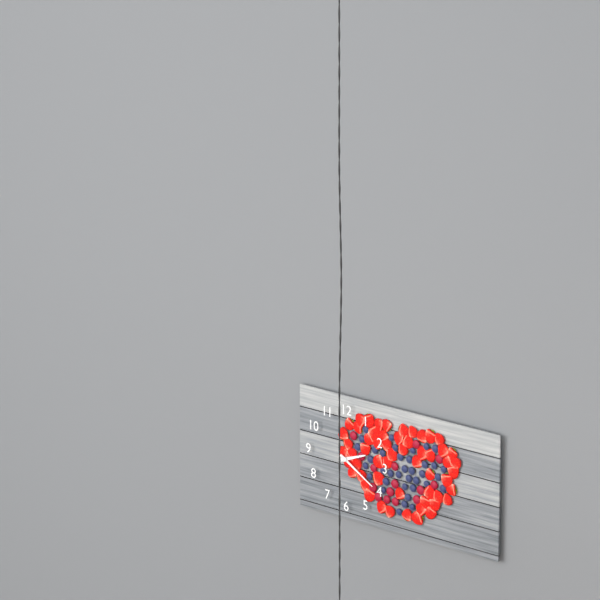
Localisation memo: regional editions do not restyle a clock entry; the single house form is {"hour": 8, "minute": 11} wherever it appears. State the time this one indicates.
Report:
{"hour": 2, "minute": 20}
